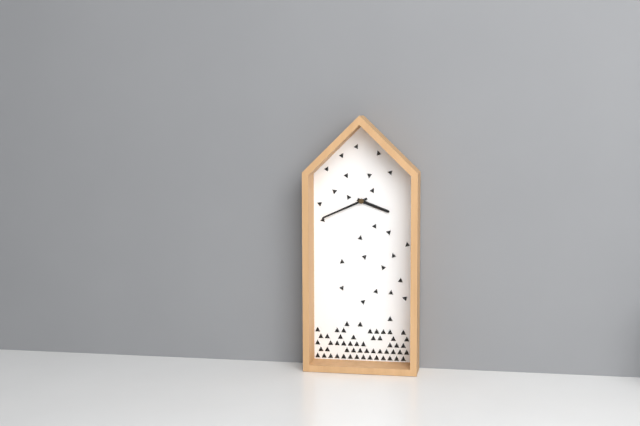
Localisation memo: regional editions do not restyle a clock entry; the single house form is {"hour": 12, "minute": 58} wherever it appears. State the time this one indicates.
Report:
{"hour": 3, "minute": 41}
